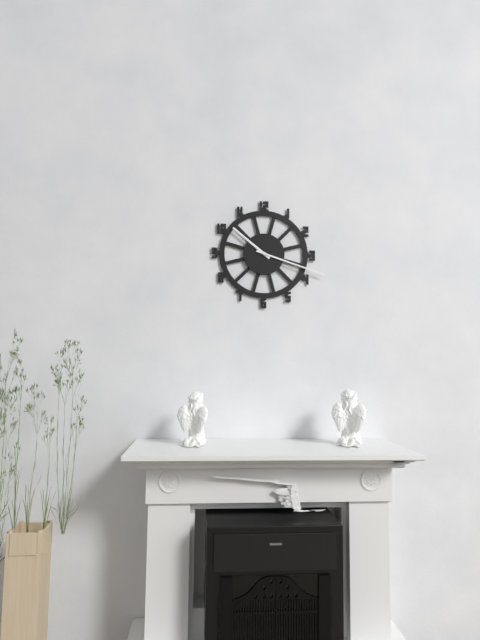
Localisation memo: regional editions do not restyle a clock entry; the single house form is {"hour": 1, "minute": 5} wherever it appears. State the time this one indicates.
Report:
{"hour": 10, "minute": 18}
